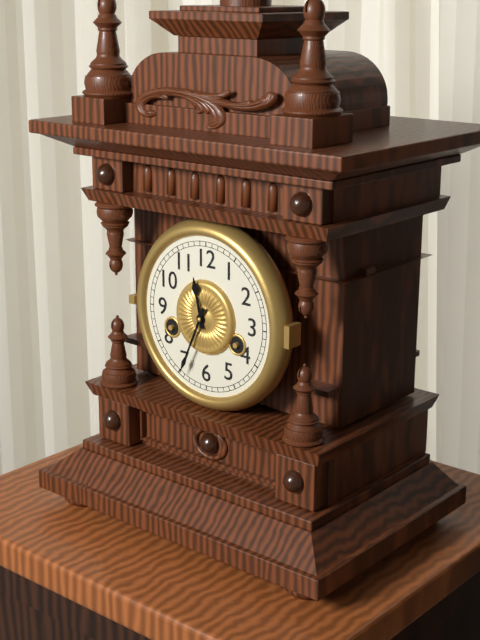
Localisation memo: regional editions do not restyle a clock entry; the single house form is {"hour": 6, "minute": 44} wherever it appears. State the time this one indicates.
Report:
{"hour": 11, "minute": 34}
